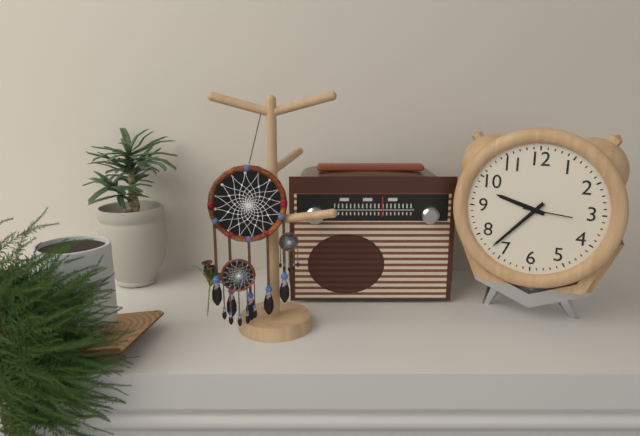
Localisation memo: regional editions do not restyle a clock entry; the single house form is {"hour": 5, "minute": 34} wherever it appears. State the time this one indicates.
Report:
{"hour": 9, "minute": 37}
